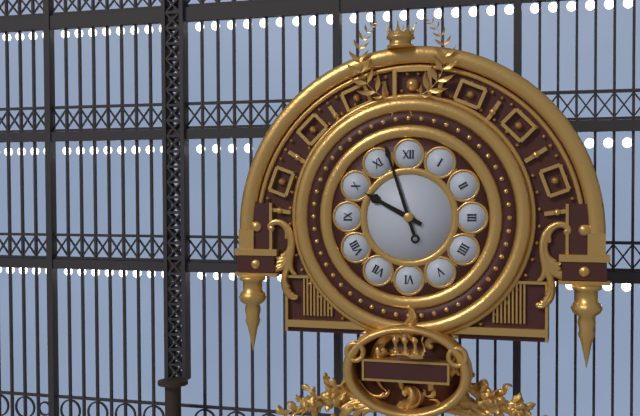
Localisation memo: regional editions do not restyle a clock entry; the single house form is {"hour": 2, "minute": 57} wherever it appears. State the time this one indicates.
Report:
{"hour": 9, "minute": 57}
